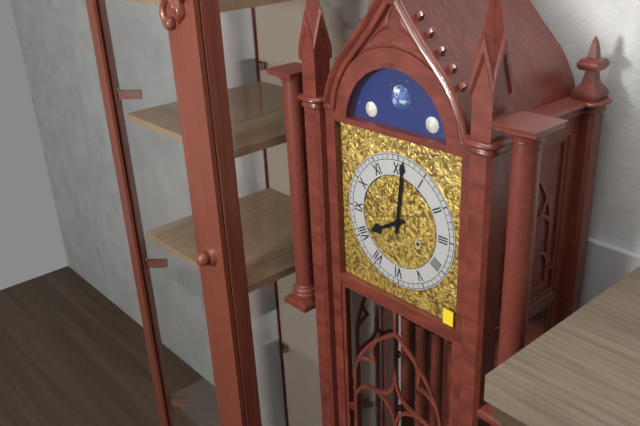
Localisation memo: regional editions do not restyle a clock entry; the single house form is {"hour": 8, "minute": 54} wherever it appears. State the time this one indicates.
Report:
{"hour": 8, "minute": 1}
